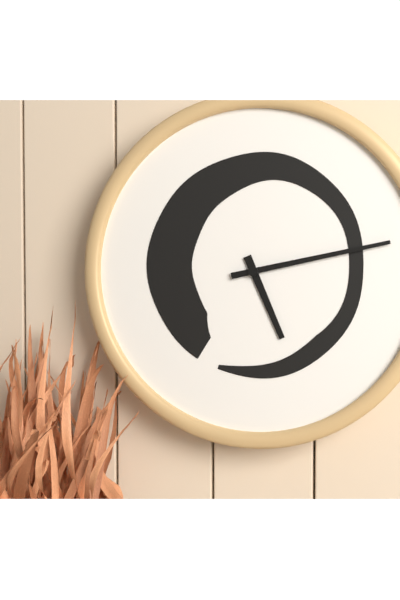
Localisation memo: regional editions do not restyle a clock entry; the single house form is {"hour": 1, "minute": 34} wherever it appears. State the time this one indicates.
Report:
{"hour": 5, "minute": 13}
